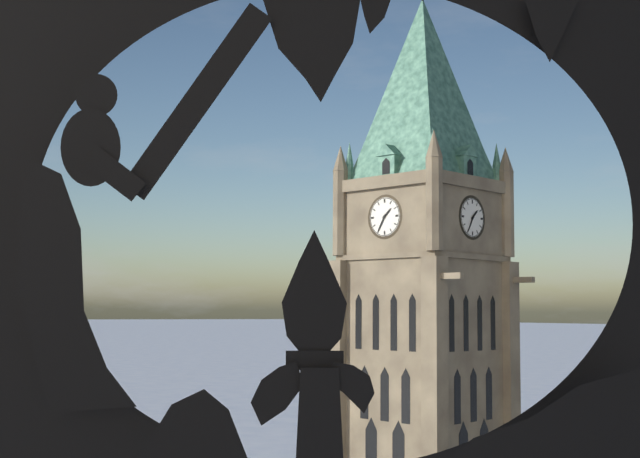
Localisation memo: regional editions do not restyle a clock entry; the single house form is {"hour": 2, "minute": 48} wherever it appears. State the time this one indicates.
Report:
{"hour": 1, "minute": 35}
